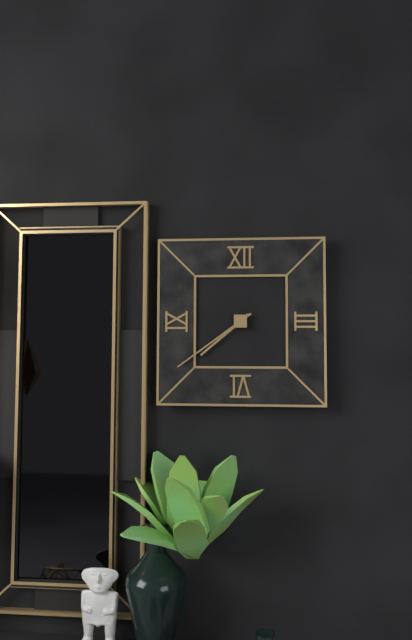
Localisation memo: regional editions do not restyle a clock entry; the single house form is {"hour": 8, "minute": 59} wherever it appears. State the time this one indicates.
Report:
{"hour": 7, "minute": 39}
